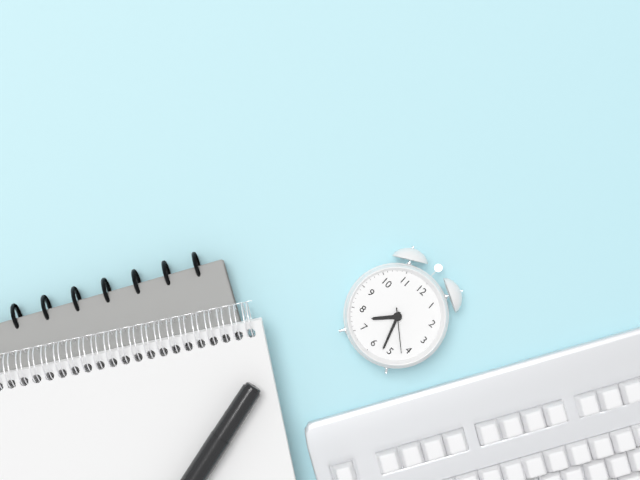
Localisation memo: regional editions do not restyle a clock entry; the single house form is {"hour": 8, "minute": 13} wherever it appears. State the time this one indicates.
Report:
{"hour": 7, "minute": 27}
